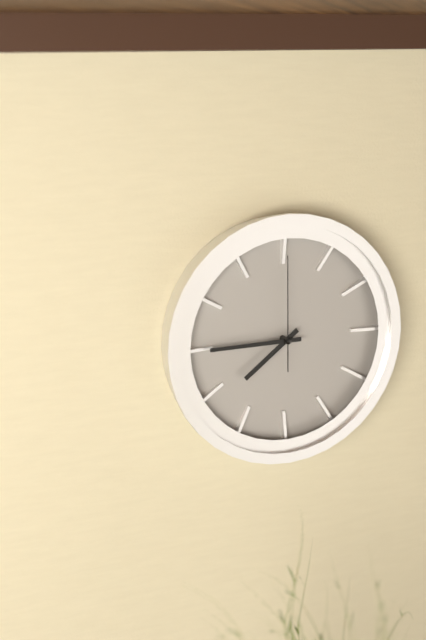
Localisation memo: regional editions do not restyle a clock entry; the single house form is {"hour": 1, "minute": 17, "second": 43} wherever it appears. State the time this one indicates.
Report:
{"hour": 7, "minute": 45, "second": 0}
